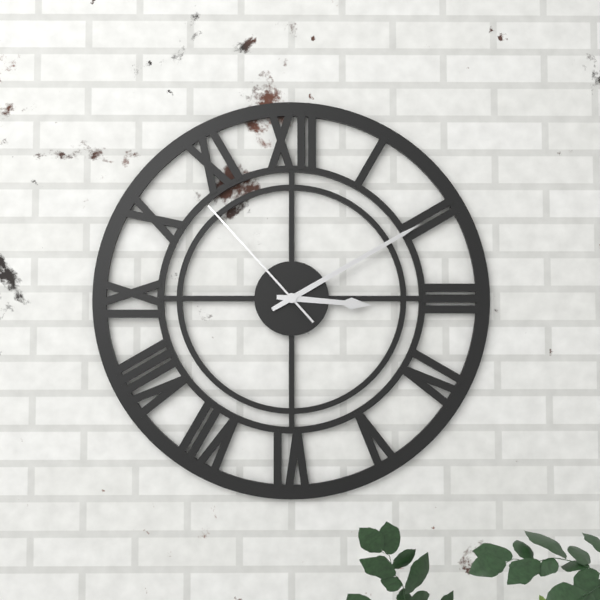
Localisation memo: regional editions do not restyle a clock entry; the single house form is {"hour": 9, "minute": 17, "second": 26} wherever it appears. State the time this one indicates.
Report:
{"hour": 3, "minute": 10, "second": 53}
